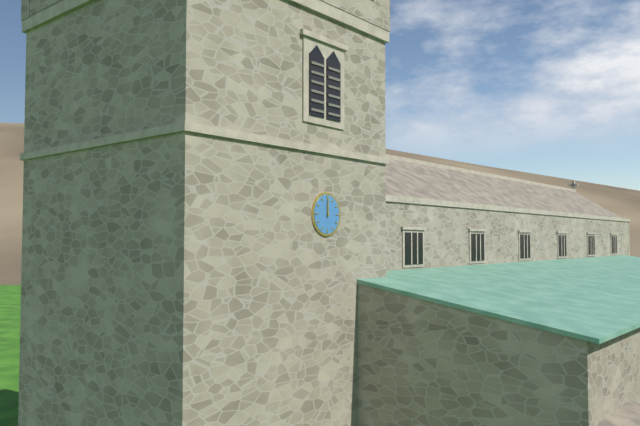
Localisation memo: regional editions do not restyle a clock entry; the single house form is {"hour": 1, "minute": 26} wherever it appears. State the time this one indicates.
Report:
{"hour": 12, "minute": 0}
